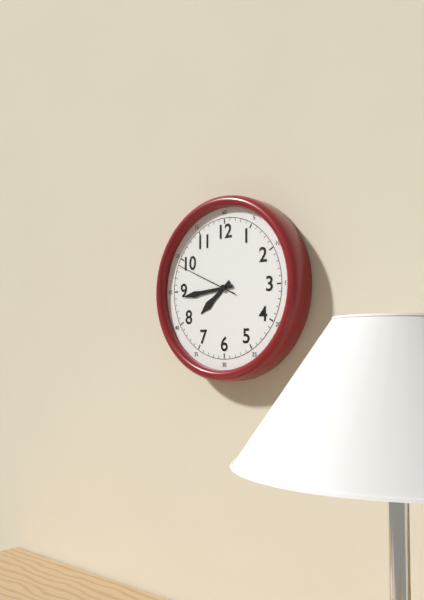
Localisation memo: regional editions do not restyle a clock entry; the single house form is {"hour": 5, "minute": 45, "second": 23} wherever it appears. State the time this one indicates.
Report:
{"hour": 7, "minute": 44, "second": 49}
